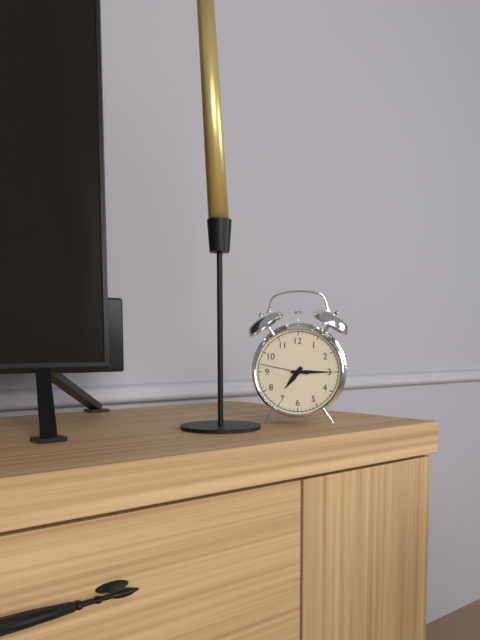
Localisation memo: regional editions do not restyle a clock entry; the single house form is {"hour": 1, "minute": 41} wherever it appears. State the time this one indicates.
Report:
{"hour": 7, "minute": 15}
